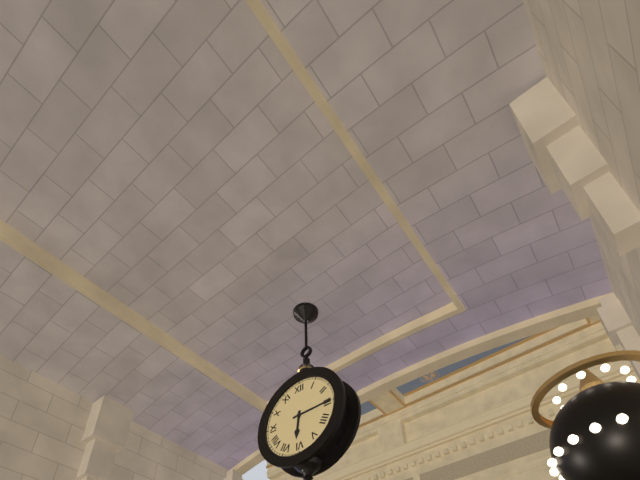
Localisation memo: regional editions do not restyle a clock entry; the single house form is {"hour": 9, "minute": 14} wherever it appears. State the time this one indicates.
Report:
{"hour": 6, "minute": 15}
